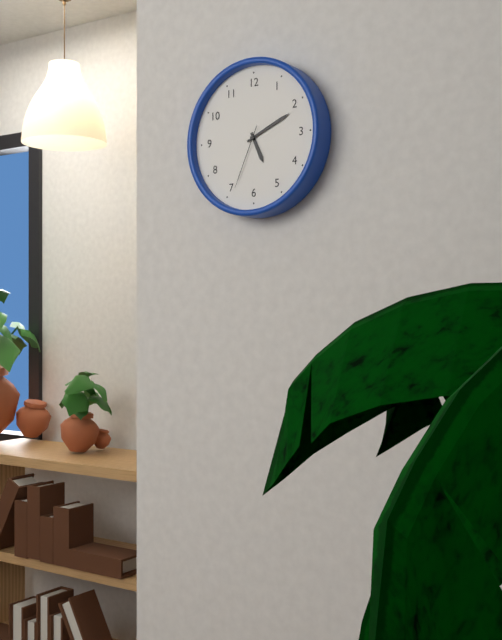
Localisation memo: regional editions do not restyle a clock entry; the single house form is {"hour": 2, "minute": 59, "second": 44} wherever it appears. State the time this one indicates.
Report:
{"hour": 5, "minute": 11, "second": 34}
